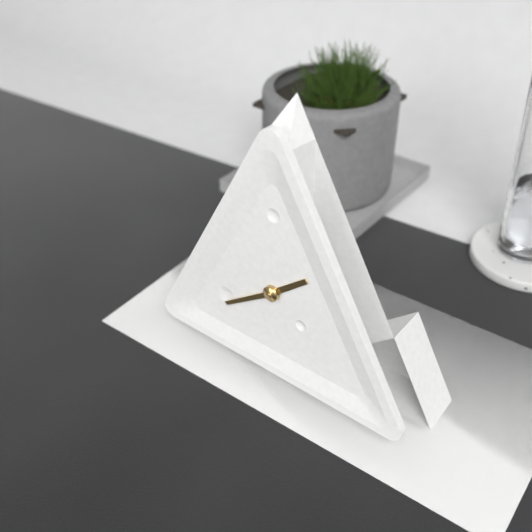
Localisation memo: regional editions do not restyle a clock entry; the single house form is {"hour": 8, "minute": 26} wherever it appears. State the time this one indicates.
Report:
{"hour": 1, "minute": 39}
